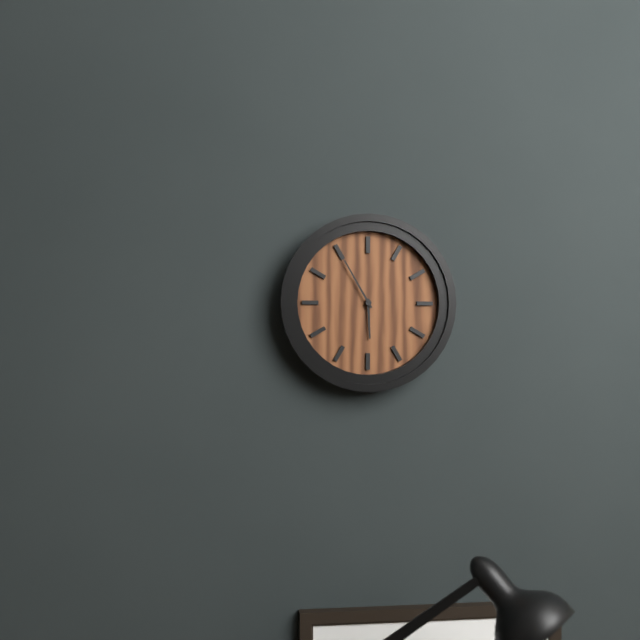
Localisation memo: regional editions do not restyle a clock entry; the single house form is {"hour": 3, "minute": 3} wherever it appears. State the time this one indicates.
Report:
{"hour": 5, "minute": 55}
